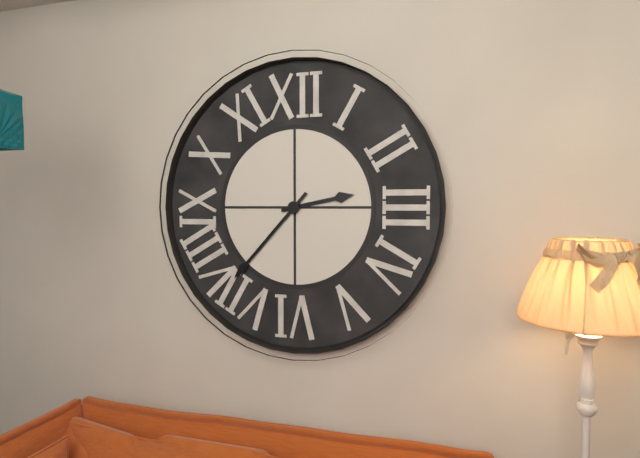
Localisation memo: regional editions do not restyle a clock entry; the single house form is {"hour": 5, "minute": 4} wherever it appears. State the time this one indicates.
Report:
{"hour": 2, "minute": 37}
